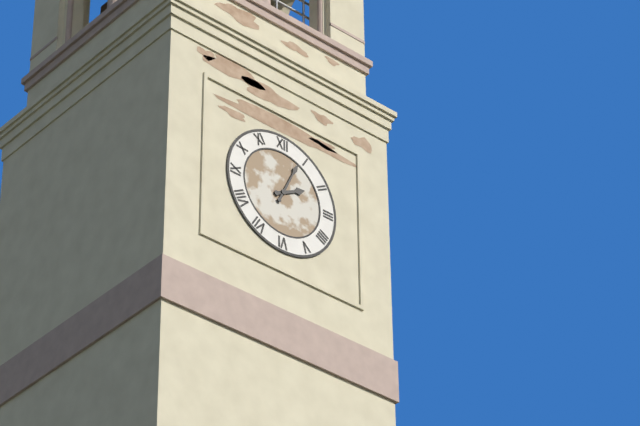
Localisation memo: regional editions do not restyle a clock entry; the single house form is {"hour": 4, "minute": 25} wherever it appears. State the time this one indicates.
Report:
{"hour": 2, "minute": 4}
